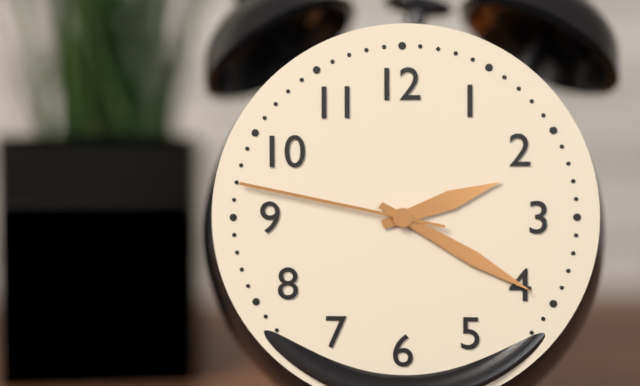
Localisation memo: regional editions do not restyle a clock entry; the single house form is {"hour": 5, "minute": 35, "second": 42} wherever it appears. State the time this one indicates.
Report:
{"hour": 2, "minute": 20, "second": 47}
